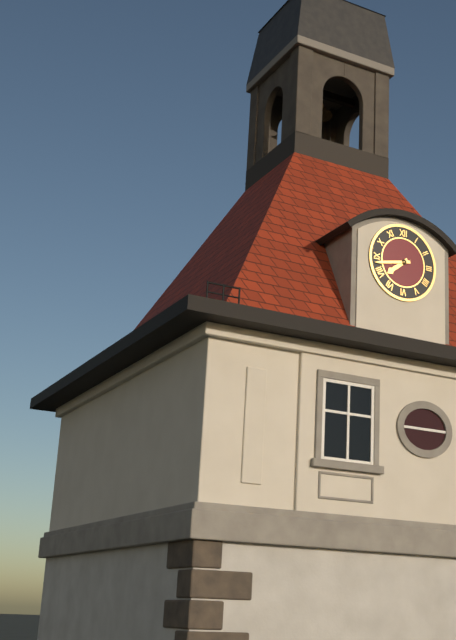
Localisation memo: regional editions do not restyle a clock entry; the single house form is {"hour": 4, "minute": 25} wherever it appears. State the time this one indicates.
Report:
{"hour": 7, "minute": 43}
